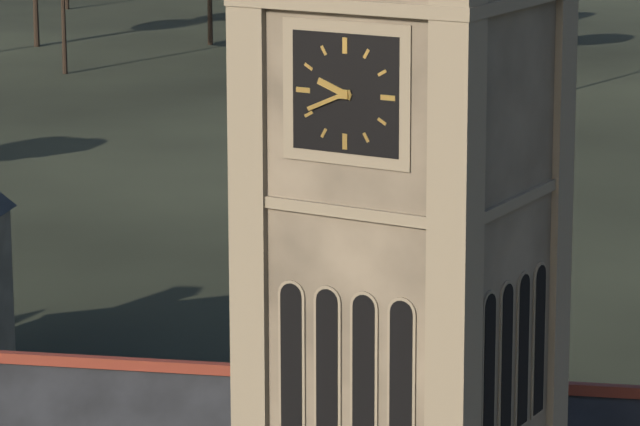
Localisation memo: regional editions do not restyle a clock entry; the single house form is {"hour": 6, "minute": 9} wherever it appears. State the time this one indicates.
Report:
{"hour": 9, "minute": 41}
